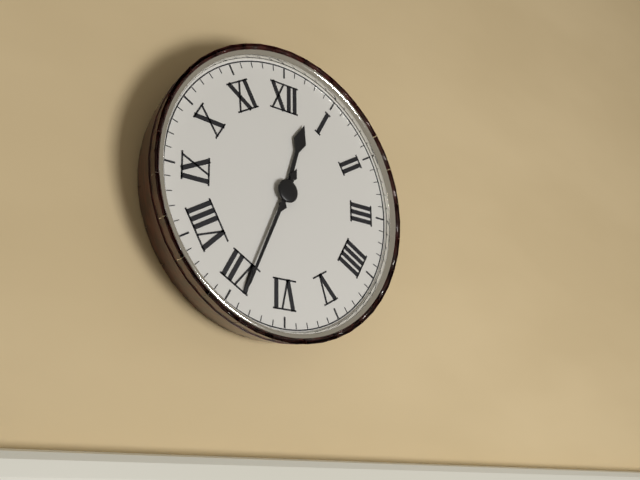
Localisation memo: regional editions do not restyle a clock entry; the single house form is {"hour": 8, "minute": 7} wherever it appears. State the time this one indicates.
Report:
{"hour": 12, "minute": 34}
